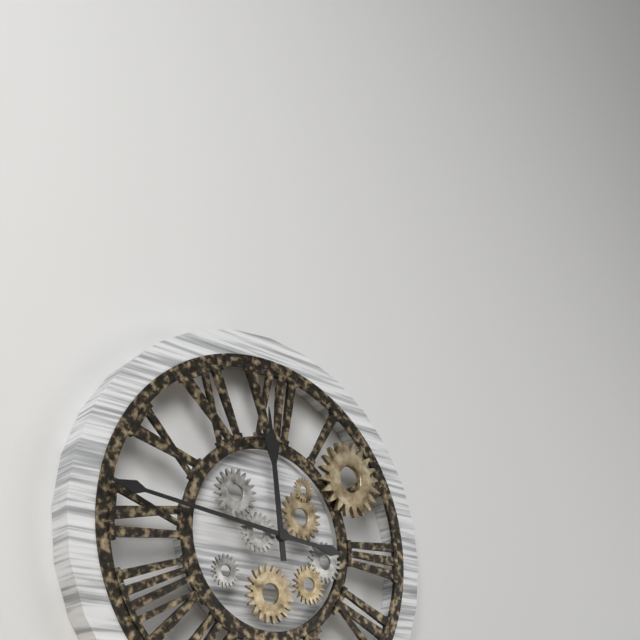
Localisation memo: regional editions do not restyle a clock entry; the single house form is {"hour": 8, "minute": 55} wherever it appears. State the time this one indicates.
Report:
{"hour": 11, "minute": 46}
